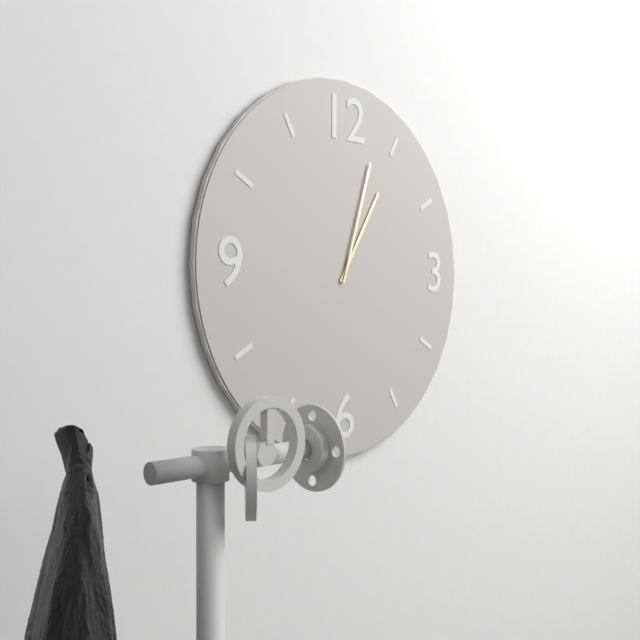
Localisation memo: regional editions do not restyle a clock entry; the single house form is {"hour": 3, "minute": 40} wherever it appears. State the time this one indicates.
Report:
{"hour": 1, "minute": 3}
